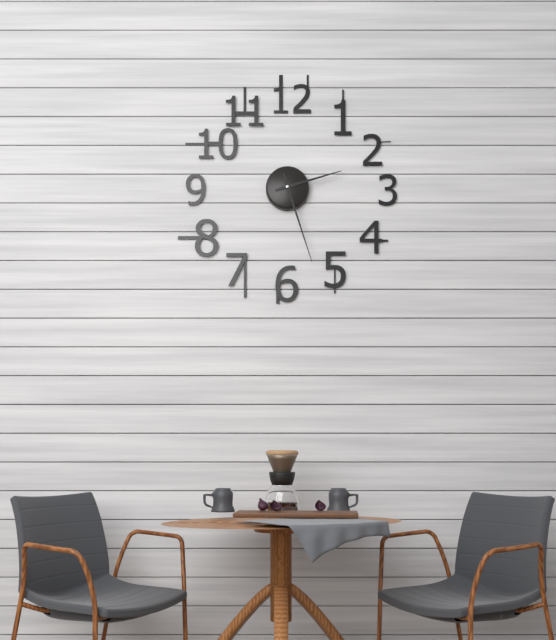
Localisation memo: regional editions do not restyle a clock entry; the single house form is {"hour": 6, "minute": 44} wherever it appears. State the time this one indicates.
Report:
{"hour": 2, "minute": 27}
